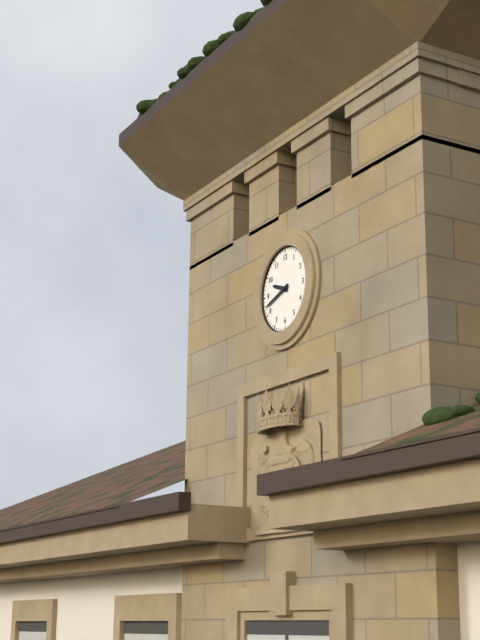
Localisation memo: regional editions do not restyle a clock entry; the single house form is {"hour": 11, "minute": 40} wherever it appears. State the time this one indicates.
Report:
{"hour": 9, "minute": 42}
